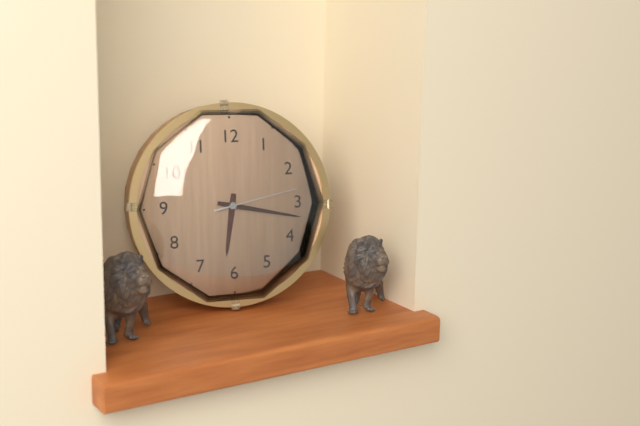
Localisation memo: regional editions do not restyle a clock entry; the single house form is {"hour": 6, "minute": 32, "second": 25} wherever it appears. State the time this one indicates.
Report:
{"hour": 6, "minute": 17, "second": 13}
